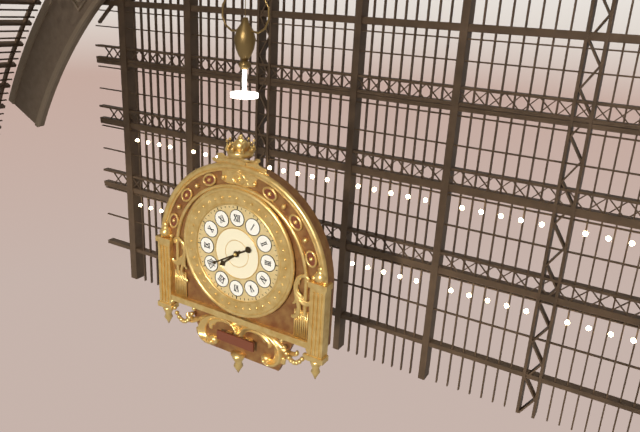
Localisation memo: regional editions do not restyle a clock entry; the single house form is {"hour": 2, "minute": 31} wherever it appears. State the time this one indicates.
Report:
{"hour": 7, "minute": 40}
